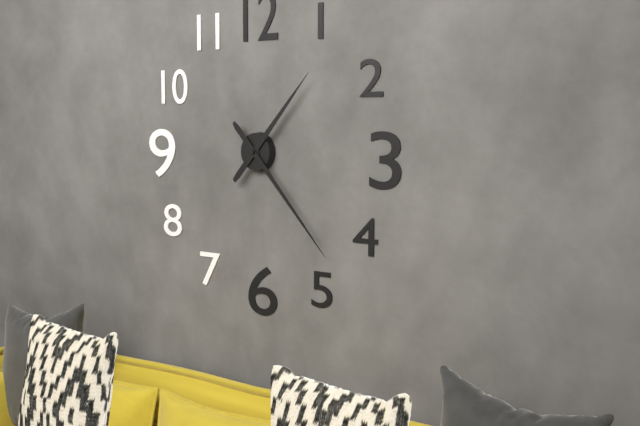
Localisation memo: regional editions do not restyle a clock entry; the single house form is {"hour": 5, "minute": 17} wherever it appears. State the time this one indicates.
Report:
{"hour": 1, "minute": 23}
